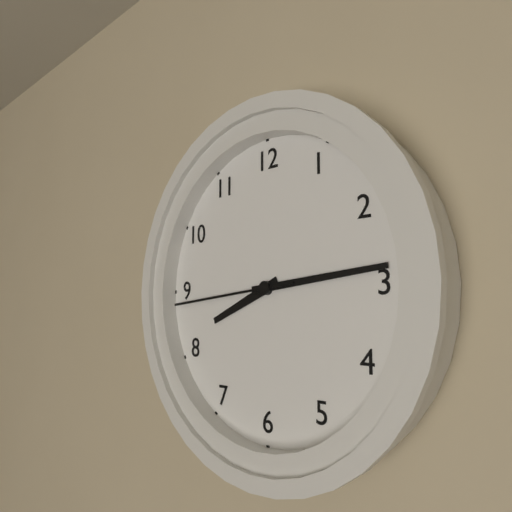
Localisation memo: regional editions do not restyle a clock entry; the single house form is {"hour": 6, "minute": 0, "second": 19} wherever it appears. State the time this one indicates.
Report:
{"hour": 8, "minute": 14, "second": 44}
